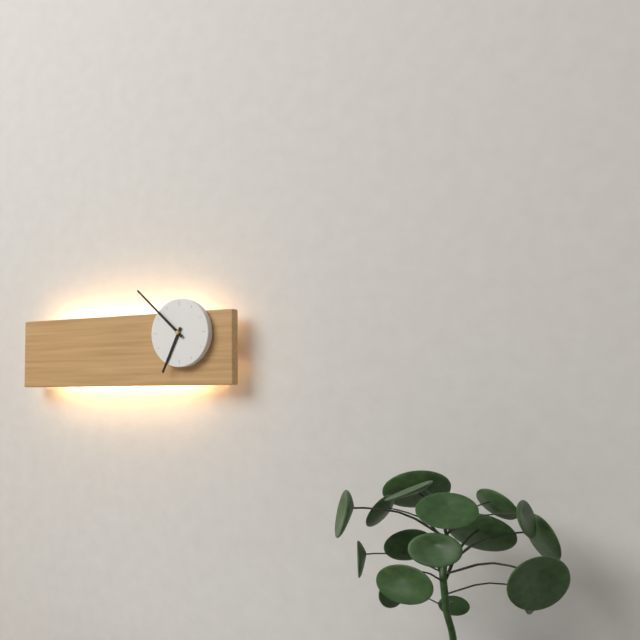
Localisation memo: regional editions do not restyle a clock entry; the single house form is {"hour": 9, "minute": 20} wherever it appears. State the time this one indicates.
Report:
{"hour": 6, "minute": 52}
